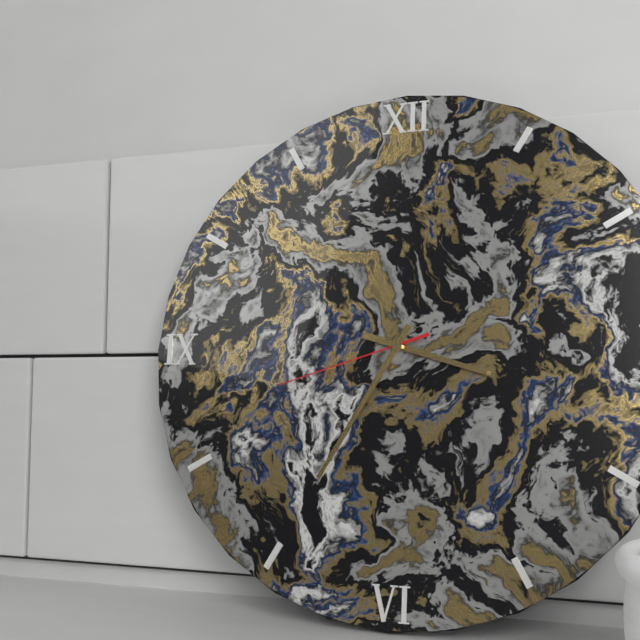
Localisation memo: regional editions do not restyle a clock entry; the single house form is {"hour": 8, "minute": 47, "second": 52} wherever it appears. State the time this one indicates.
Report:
{"hour": 3, "minute": 35, "second": 42}
